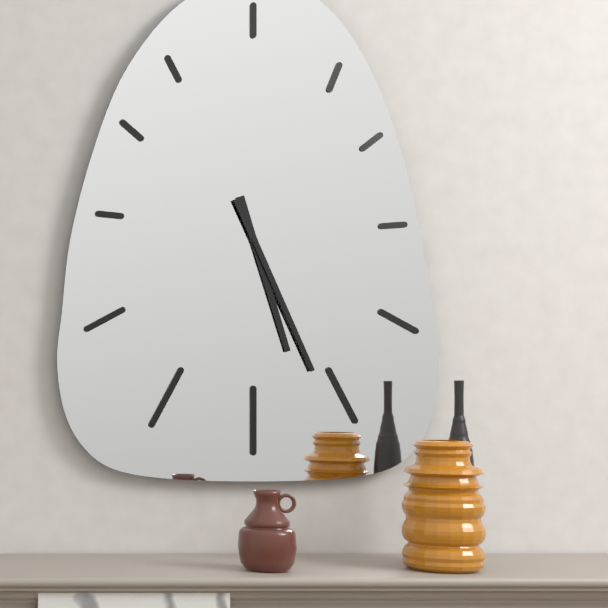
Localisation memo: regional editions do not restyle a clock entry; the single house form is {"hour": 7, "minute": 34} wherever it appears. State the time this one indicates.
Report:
{"hour": 5, "minute": 26}
